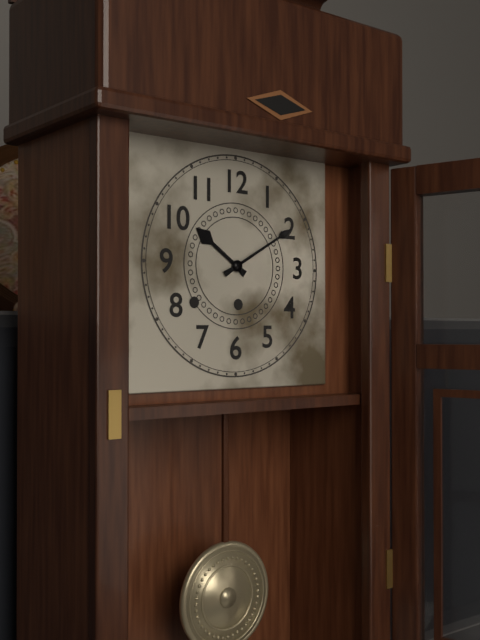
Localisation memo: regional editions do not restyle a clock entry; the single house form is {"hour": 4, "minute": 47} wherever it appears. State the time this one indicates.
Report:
{"hour": 10, "minute": 10}
